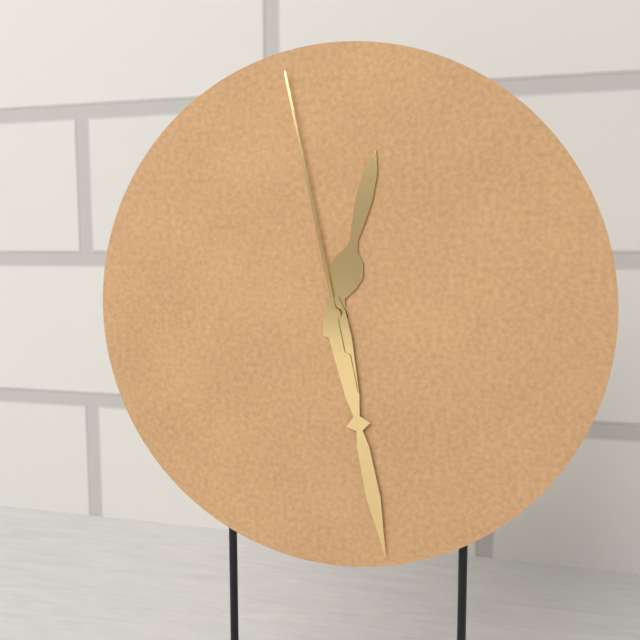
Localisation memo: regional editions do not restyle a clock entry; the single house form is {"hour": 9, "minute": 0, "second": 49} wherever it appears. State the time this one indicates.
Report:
{"hour": 12, "minute": 28, "second": 58}
